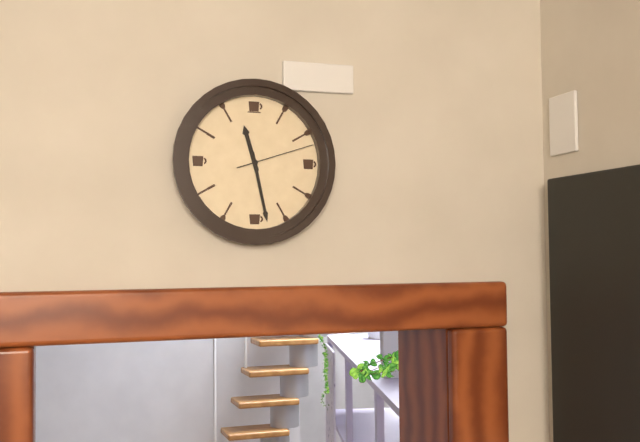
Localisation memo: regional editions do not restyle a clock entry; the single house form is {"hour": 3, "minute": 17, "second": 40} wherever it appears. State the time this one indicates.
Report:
{"hour": 11, "minute": 28, "second": 12}
